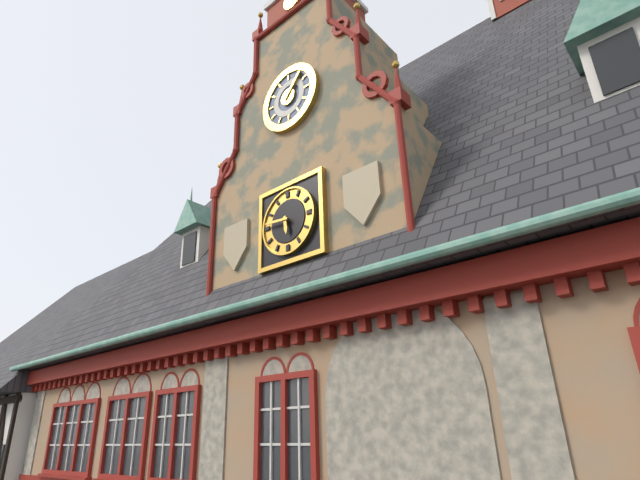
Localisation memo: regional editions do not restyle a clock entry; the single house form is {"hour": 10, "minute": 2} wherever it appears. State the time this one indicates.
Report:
{"hour": 5, "minute": 46}
